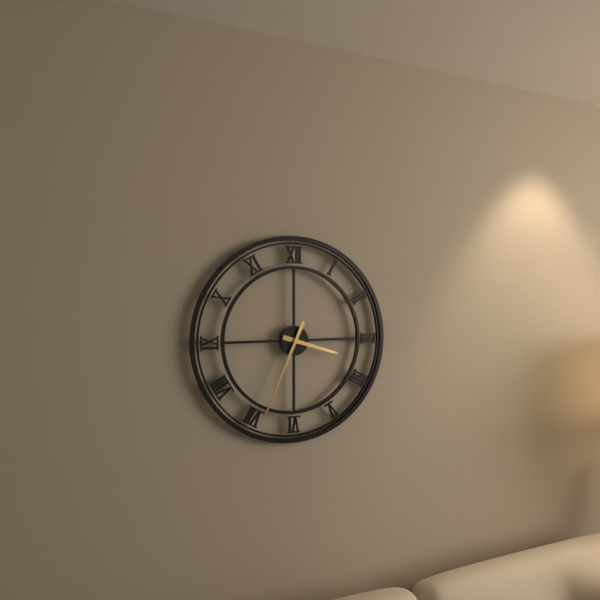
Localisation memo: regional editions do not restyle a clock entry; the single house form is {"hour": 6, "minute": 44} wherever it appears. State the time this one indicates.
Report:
{"hour": 3, "minute": 34}
